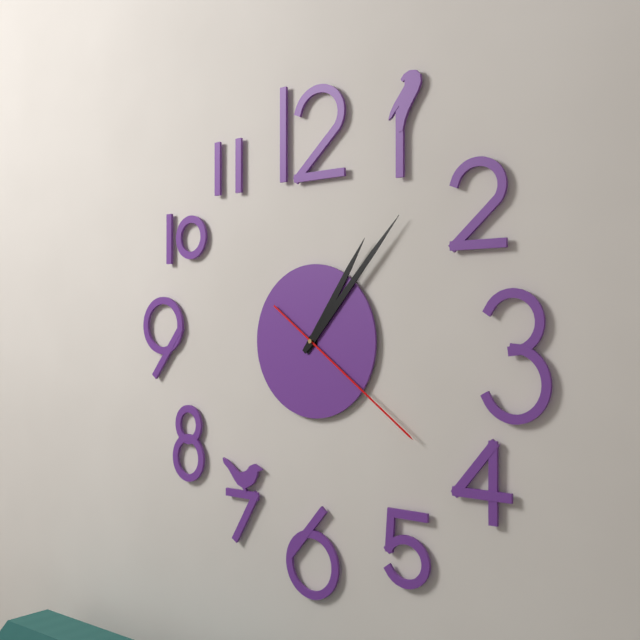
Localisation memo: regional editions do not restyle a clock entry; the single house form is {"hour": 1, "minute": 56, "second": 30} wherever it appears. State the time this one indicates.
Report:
{"hour": 1, "minute": 7, "second": 21}
